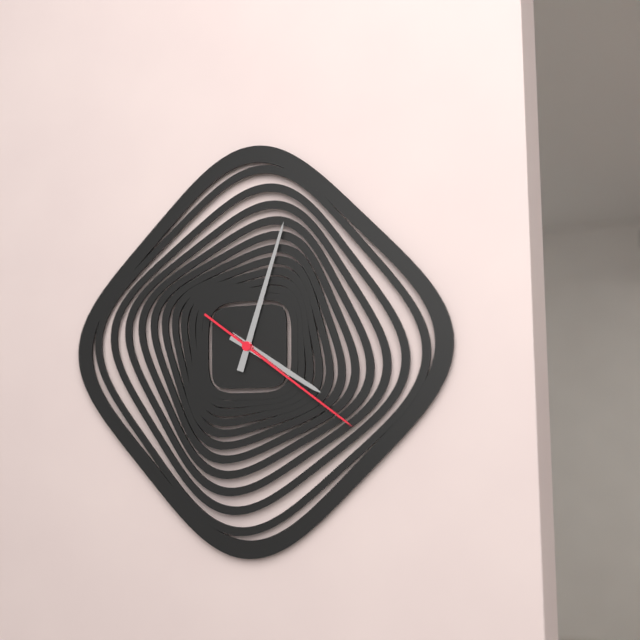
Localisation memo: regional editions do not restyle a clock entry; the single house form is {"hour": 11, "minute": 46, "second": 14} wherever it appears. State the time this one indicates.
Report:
{"hour": 4, "minute": 3, "second": 21}
